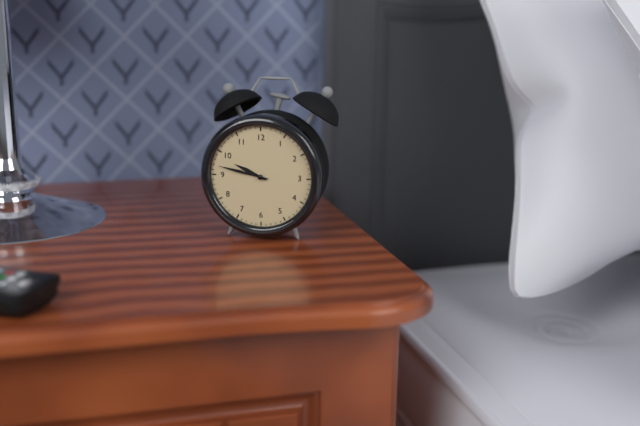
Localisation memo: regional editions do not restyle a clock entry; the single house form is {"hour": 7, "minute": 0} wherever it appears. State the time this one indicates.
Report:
{"hour": 9, "minute": 47}
